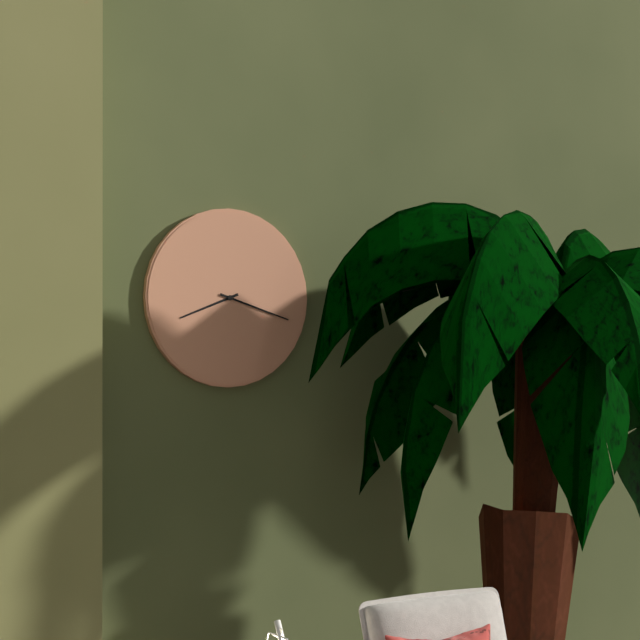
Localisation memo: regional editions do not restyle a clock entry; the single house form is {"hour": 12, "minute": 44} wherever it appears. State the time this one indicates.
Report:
{"hour": 8, "minute": 18}
